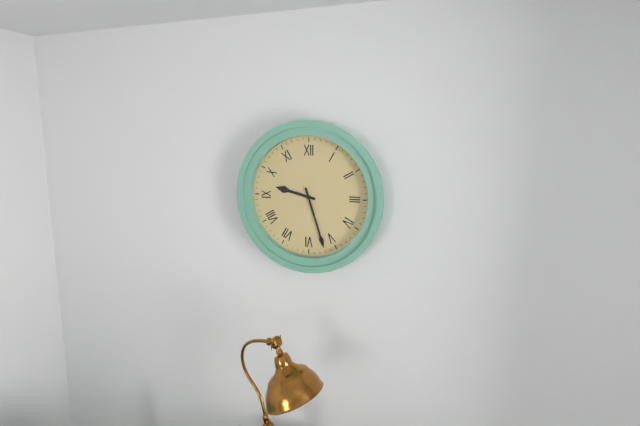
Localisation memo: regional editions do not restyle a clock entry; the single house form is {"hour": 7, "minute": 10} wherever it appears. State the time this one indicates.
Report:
{"hour": 9, "minute": 27}
